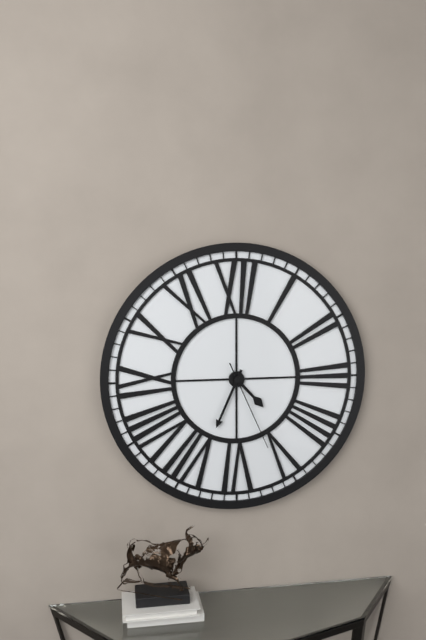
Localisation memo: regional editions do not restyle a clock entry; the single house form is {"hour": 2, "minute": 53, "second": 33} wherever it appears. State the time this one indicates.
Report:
{"hour": 4, "minute": 34, "second": 26}
